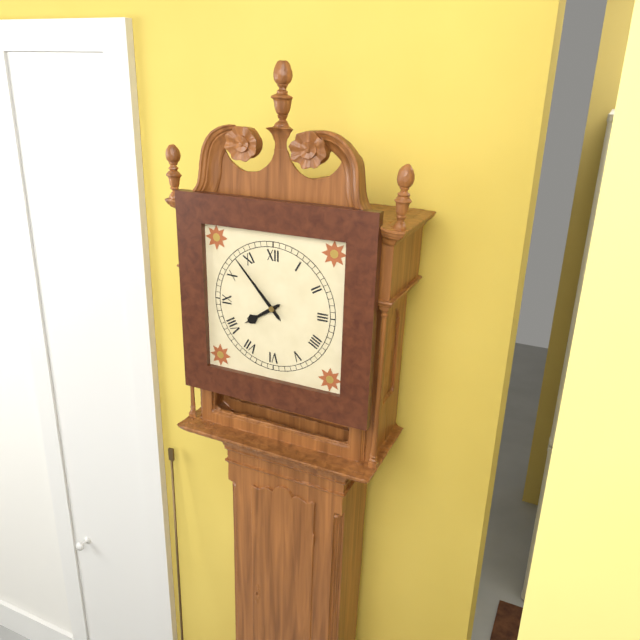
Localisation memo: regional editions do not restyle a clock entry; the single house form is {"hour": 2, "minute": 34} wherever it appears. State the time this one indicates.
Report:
{"hour": 7, "minute": 53}
